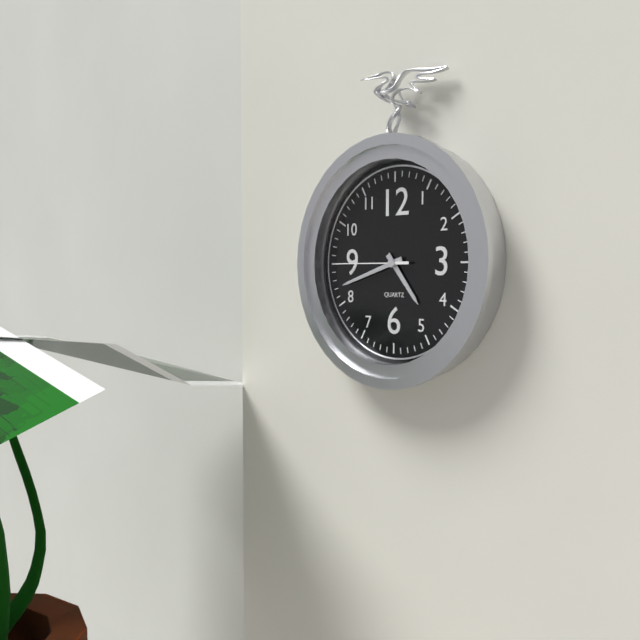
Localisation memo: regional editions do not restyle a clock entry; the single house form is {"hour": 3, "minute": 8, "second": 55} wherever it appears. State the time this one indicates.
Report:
{"hour": 4, "minute": 42, "second": 45}
